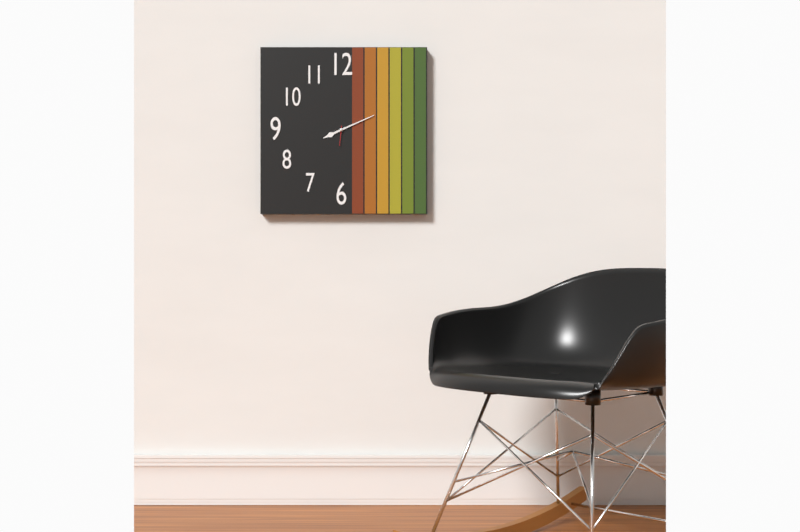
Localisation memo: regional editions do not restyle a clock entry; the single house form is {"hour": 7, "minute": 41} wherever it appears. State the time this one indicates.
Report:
{"hour": 8, "minute": 11}
